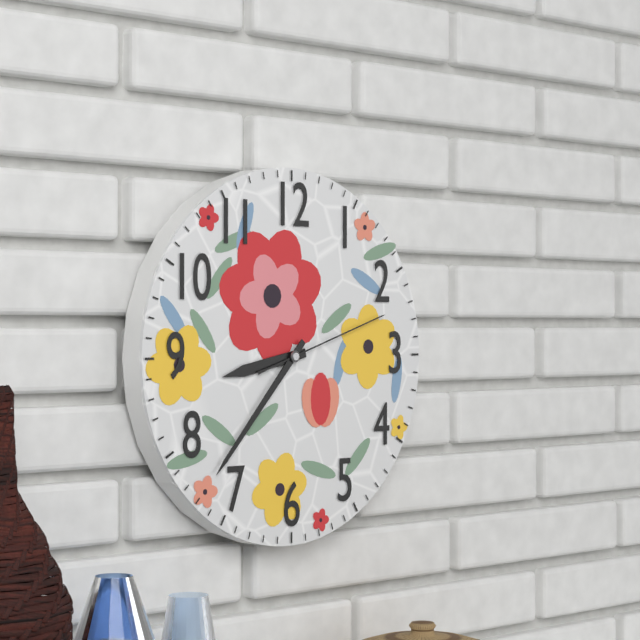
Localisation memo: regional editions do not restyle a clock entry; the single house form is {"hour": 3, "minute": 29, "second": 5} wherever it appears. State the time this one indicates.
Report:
{"hour": 8, "minute": 37, "second": 12}
